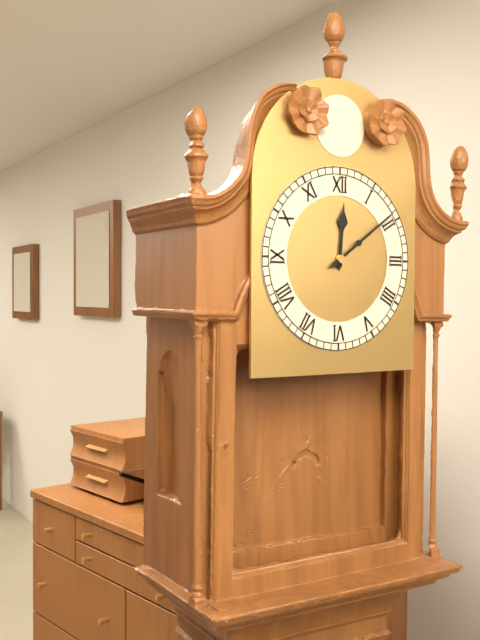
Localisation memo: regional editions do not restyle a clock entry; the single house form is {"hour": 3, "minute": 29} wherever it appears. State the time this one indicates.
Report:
{"hour": 12, "minute": 9}
